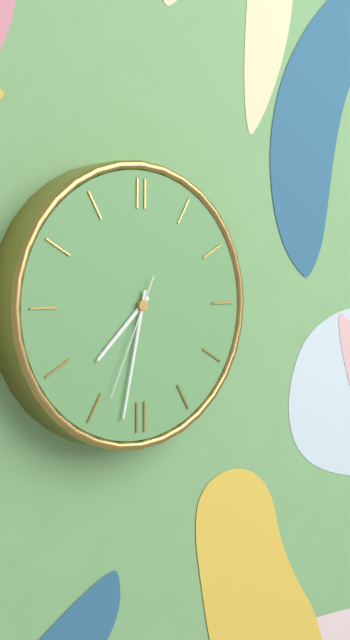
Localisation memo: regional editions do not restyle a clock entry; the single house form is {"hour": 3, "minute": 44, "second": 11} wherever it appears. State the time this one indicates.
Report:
{"hour": 7, "minute": 32, "second": 34}
